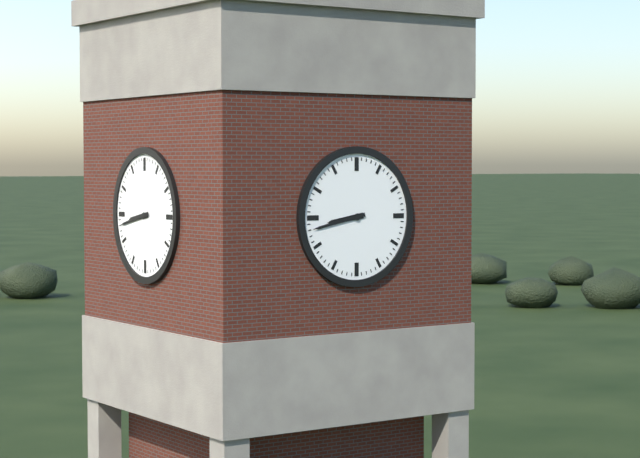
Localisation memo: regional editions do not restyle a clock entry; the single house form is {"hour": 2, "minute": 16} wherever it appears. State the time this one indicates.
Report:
{"hour": 8, "minute": 43}
